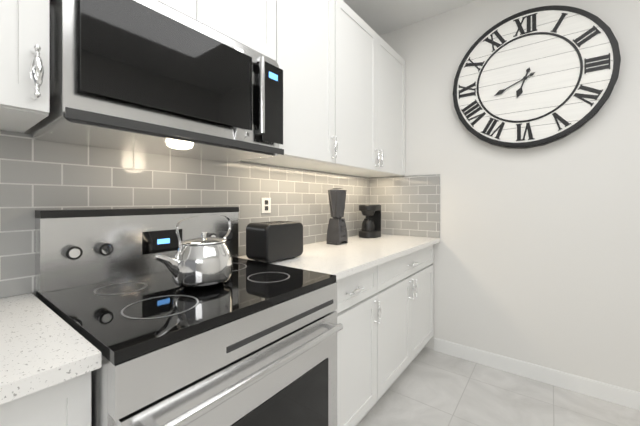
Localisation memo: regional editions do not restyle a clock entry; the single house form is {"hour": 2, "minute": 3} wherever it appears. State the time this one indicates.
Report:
{"hour": 6, "minute": 41}
